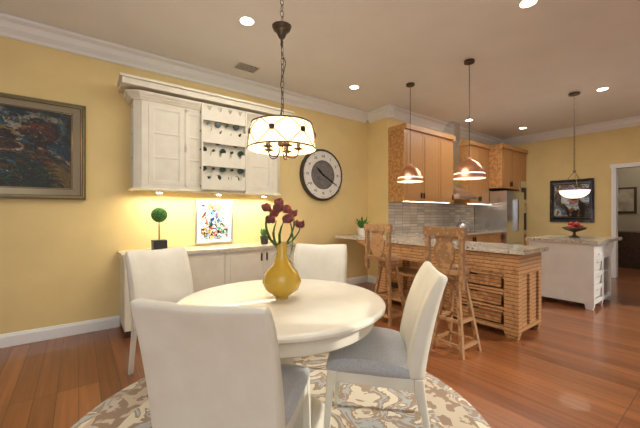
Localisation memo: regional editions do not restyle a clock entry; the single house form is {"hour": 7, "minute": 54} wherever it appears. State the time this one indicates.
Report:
{"hour": 10, "minute": 20}
